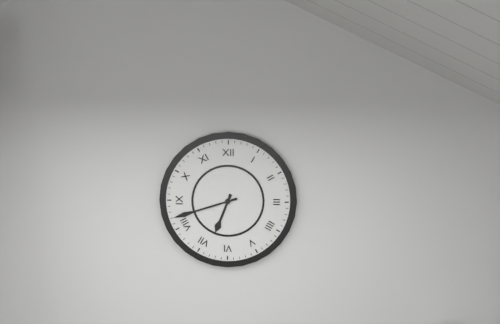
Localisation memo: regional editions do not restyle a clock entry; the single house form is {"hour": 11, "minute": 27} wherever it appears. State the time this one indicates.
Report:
{"hour": 6, "minute": 42}
